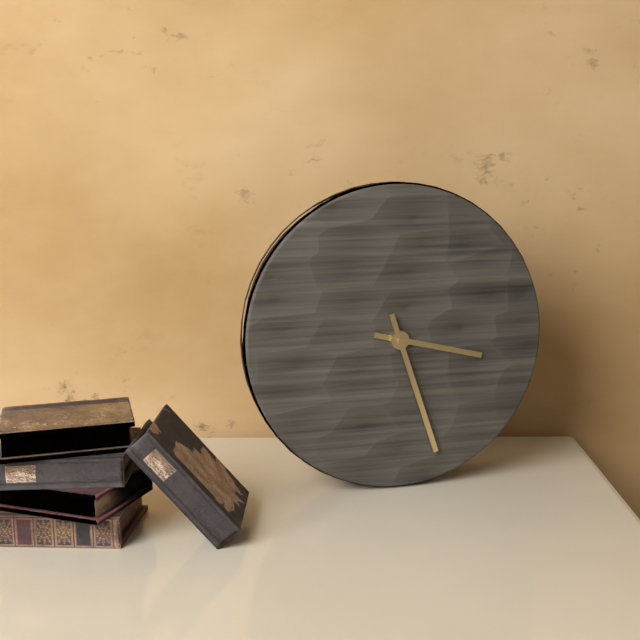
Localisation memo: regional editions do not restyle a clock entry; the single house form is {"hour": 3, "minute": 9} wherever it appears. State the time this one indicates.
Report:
{"hour": 3, "minute": 27}
